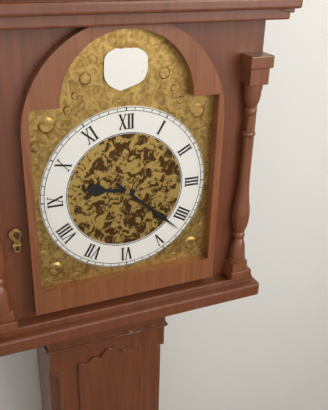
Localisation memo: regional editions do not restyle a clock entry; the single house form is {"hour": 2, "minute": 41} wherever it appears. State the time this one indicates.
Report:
{"hour": 9, "minute": 22}
